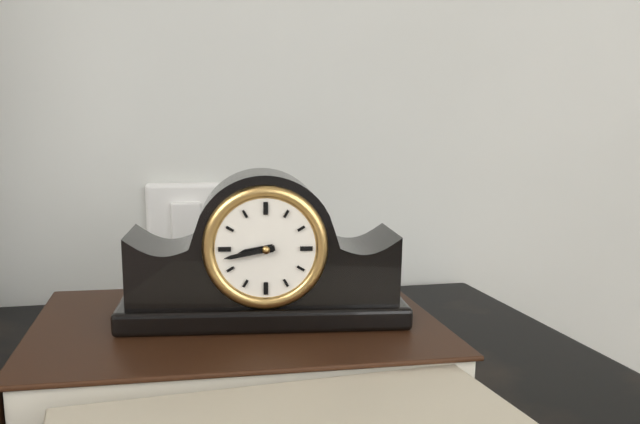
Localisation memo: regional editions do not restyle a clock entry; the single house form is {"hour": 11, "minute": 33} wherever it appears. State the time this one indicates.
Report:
{"hour": 8, "minute": 43}
